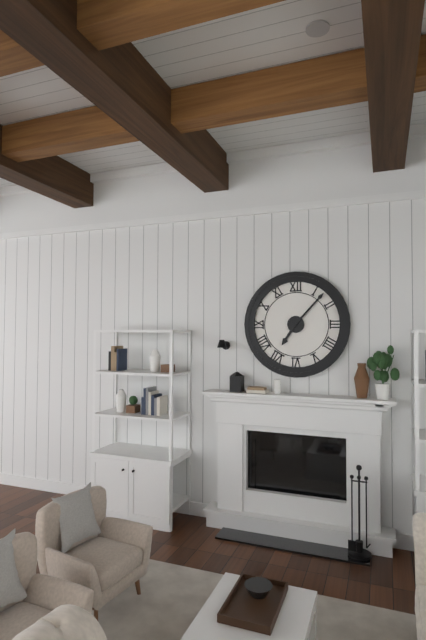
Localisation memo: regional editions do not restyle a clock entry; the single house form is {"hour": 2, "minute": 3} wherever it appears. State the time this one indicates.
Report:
{"hour": 7, "minute": 7}
